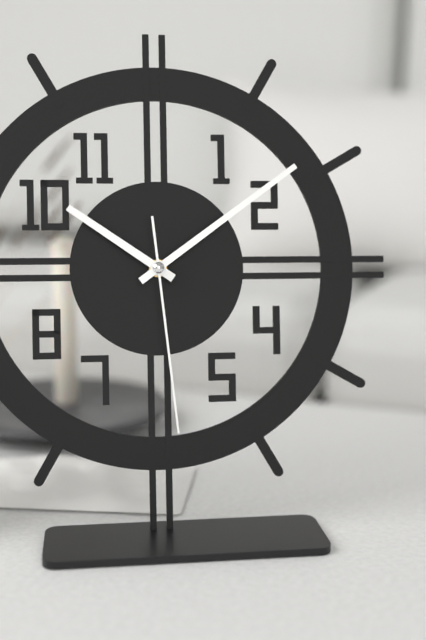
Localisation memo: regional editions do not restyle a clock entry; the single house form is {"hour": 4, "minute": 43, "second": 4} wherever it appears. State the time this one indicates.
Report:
{"hour": 10, "minute": 9, "second": 29}
